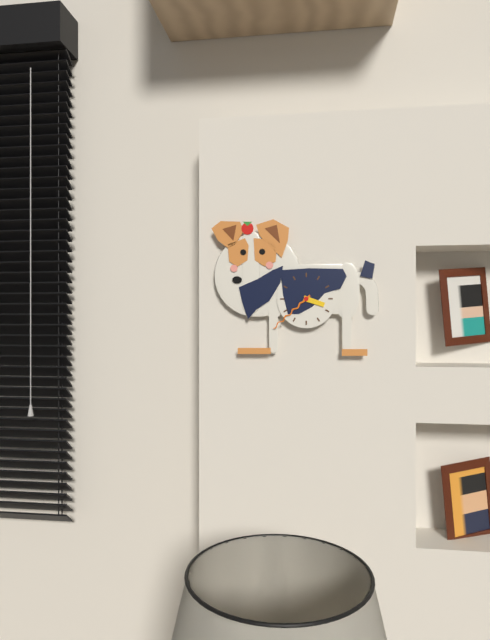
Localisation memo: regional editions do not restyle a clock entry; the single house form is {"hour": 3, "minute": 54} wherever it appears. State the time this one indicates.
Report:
{"hour": 3, "minute": 38}
